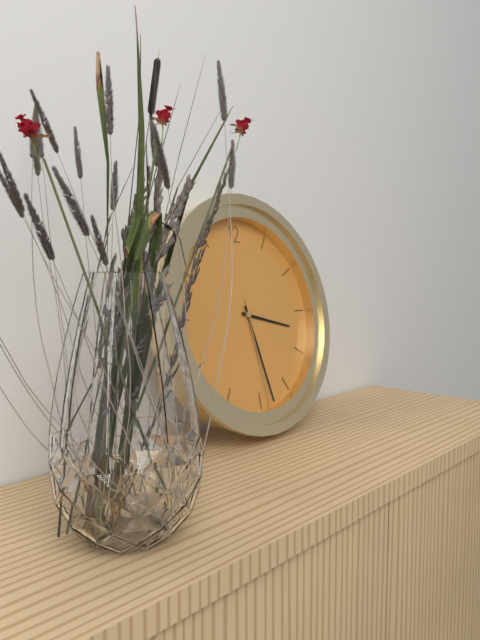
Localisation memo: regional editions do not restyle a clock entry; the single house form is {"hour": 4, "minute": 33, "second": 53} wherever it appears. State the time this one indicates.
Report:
{"hour": 3, "minute": 28, "second": 29}
